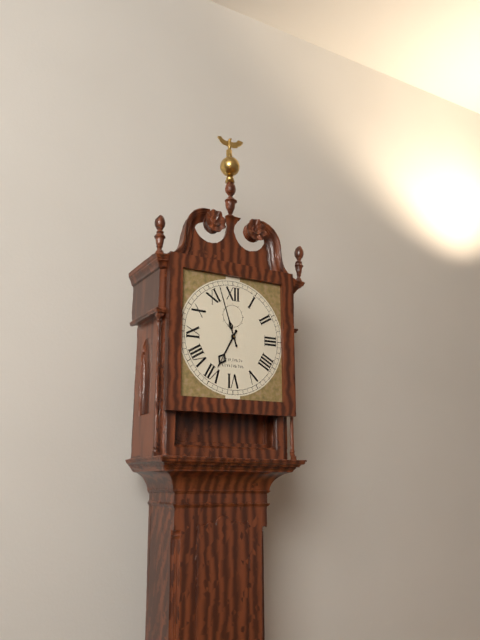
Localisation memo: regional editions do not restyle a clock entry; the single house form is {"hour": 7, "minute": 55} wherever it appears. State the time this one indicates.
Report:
{"hour": 6, "minute": 57}
